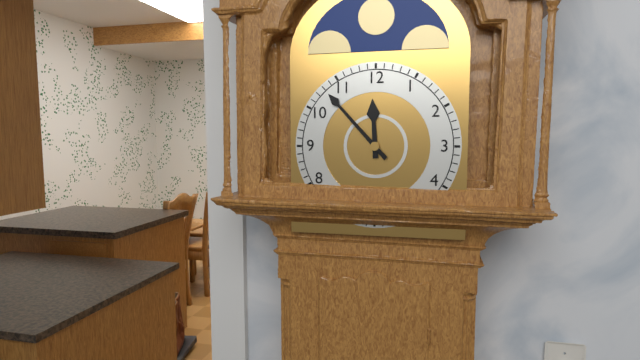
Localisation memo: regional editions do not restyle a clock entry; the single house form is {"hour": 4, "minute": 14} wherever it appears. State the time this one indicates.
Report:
{"hour": 11, "minute": 53}
